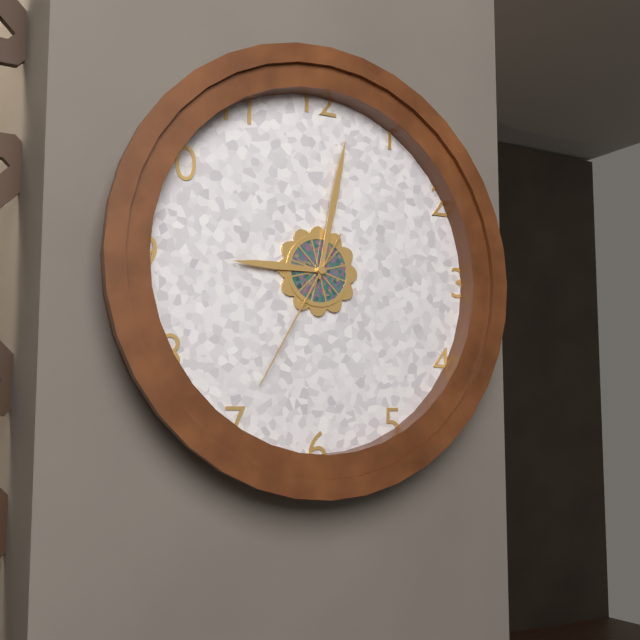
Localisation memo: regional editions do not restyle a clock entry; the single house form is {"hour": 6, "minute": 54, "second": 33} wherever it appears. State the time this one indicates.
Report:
{"hour": 9, "minute": 2, "second": 35}
